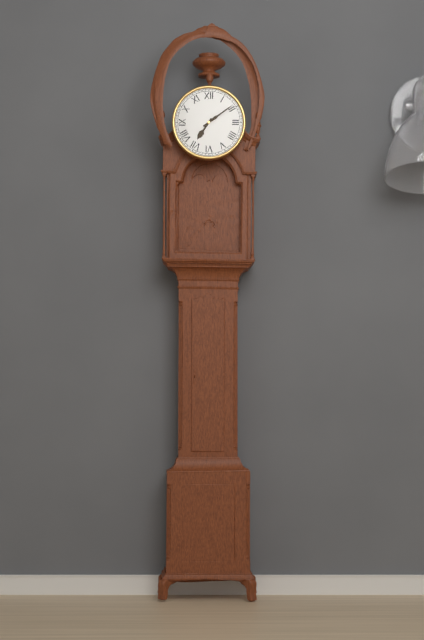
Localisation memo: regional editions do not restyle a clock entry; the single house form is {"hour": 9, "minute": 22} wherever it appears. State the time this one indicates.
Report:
{"hour": 7, "minute": 9}
